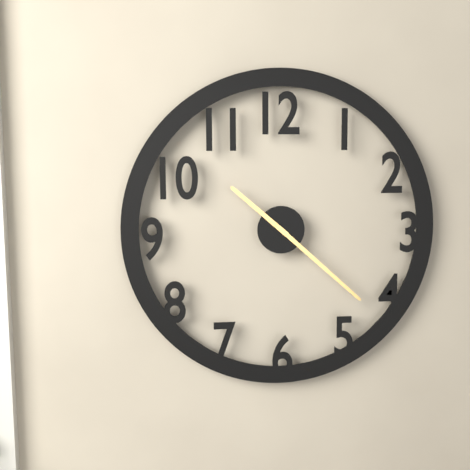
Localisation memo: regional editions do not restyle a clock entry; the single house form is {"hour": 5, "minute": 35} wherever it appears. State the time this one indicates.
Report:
{"hour": 10, "minute": 22}
